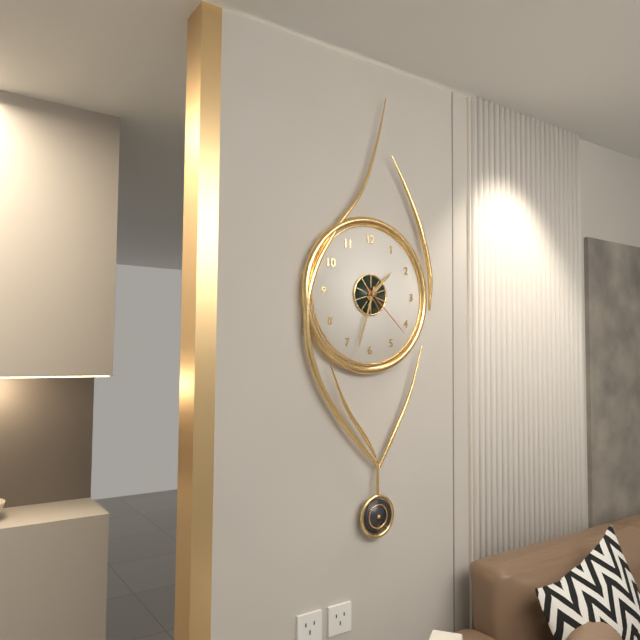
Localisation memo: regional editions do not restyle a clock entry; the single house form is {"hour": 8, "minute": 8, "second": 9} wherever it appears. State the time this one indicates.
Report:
{"hour": 1, "minute": 33, "second": 22}
